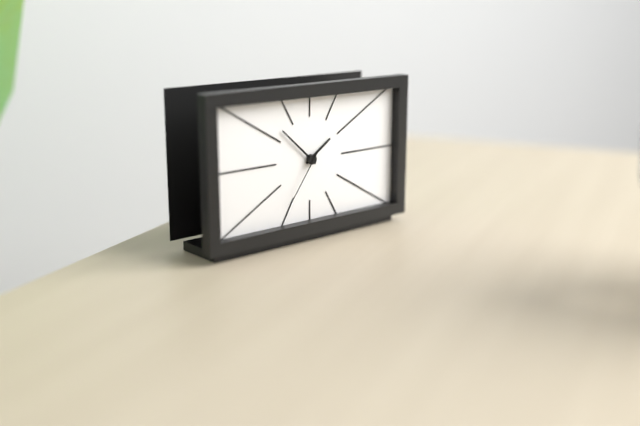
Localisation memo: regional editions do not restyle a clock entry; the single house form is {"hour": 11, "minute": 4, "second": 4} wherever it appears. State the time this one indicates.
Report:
{"hour": 1, "minute": 52, "second": 36}
